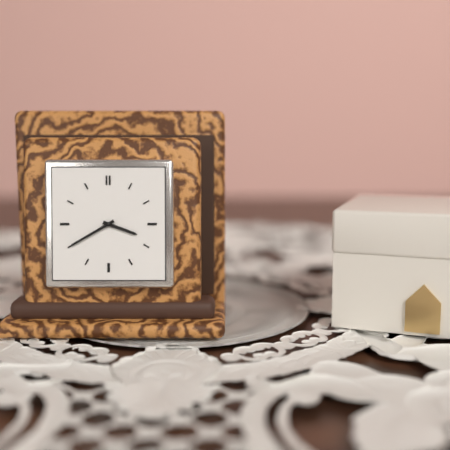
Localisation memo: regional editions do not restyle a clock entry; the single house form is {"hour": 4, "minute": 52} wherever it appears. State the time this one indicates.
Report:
{"hour": 3, "minute": 40}
